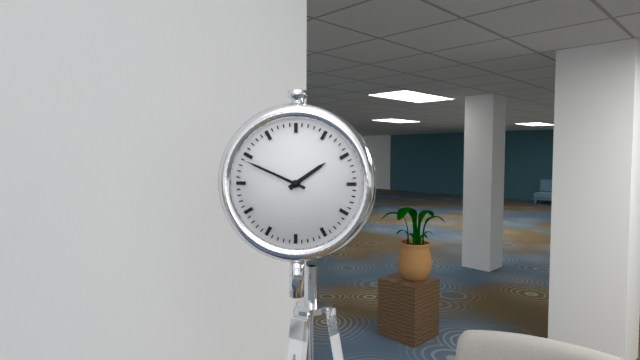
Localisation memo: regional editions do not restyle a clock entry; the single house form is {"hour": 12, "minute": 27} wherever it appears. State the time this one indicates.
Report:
{"hour": 1, "minute": 49}
